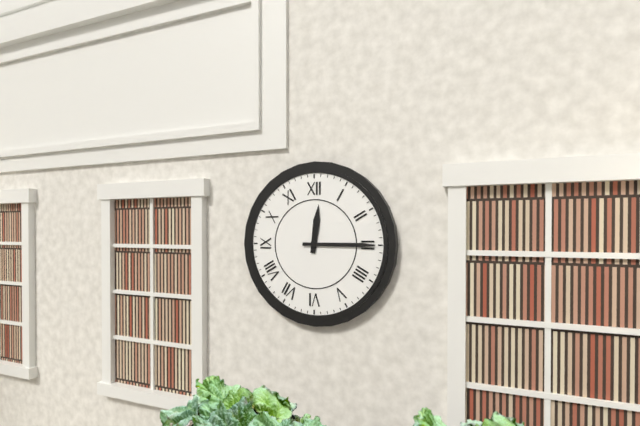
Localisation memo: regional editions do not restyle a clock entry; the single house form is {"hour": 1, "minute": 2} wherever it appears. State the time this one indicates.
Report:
{"hour": 12, "minute": 15}
